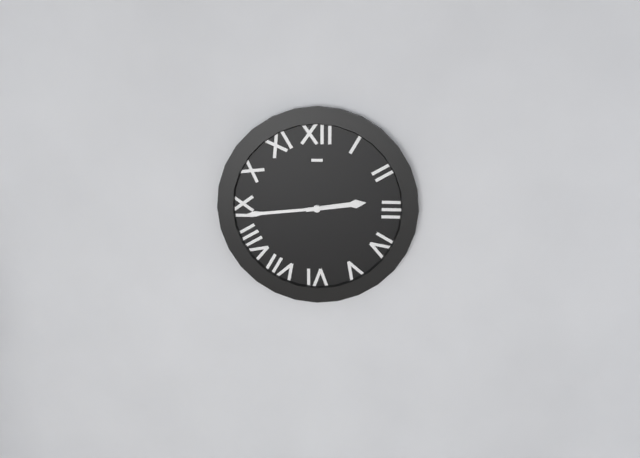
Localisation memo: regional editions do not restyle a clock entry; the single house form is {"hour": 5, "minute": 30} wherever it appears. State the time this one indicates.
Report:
{"hour": 2, "minute": 44}
